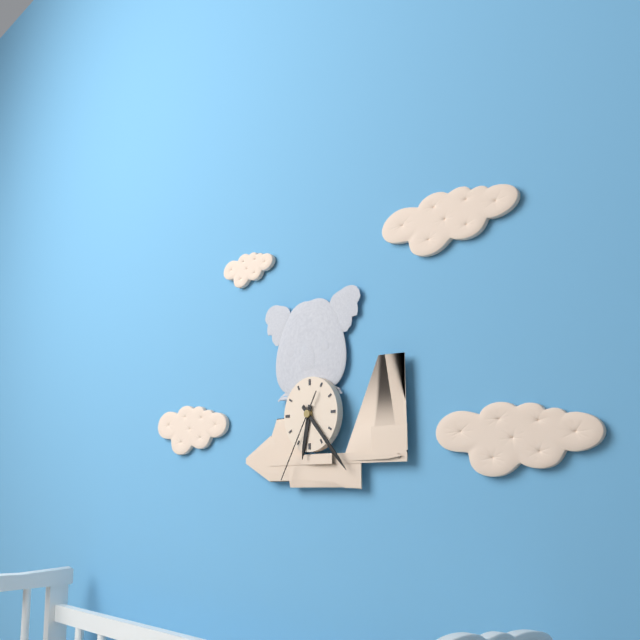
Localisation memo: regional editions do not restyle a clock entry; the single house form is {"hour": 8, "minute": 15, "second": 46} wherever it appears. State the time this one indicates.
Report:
{"hour": 6, "minute": 23, "second": 35}
